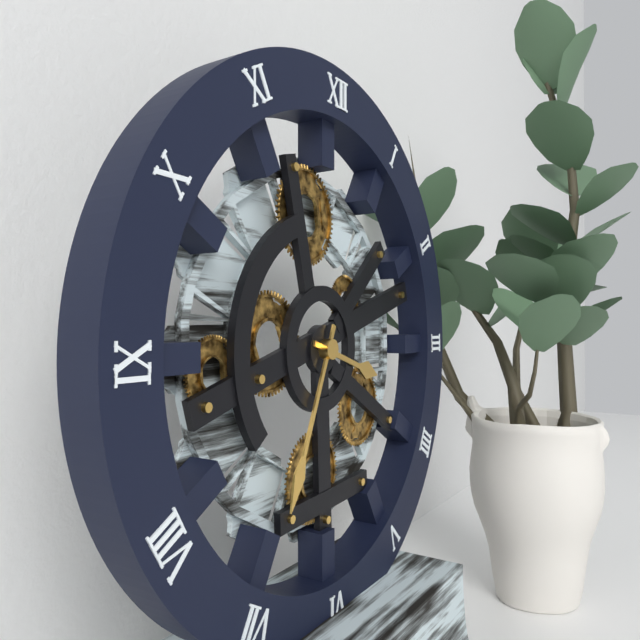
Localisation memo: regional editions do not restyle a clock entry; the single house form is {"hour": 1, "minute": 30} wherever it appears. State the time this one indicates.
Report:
{"hour": 3, "minute": 34}
